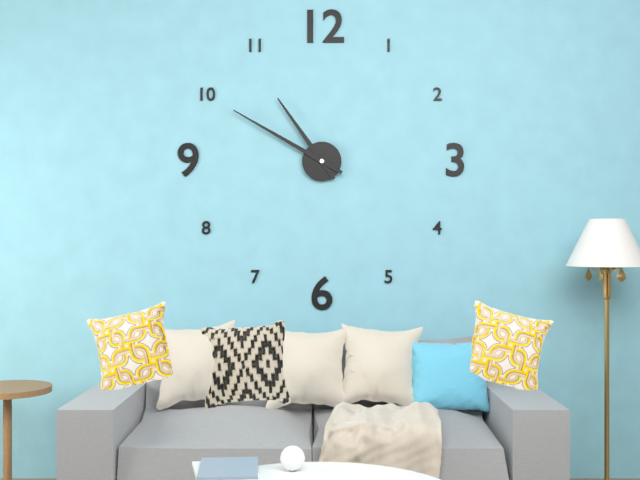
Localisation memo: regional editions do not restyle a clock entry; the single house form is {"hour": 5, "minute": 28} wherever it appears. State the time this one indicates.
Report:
{"hour": 10, "minute": 50}
